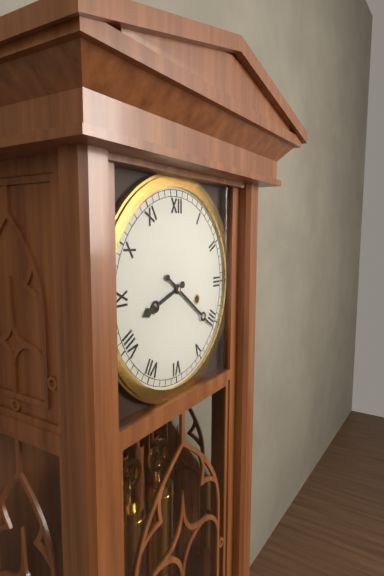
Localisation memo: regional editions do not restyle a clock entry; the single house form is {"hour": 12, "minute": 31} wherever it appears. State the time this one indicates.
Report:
{"hour": 8, "minute": 21}
